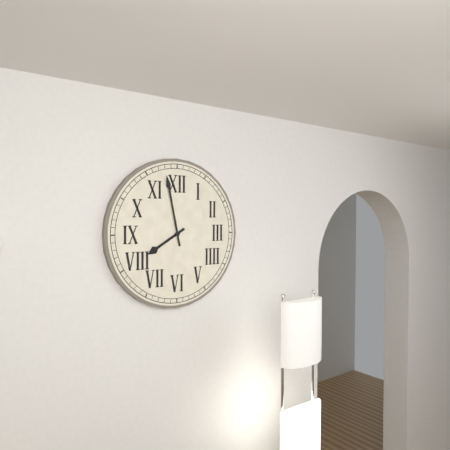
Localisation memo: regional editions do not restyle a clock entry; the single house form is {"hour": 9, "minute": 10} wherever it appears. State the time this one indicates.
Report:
{"hour": 7, "minute": 58}
